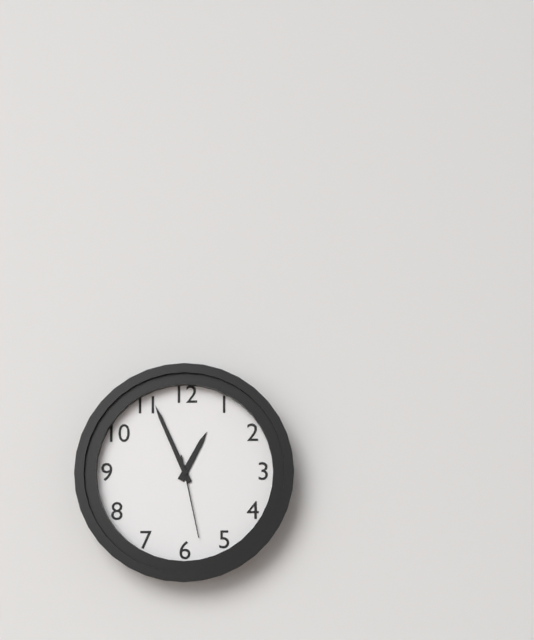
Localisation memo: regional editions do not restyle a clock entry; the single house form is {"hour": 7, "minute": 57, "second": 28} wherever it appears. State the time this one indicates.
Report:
{"hour": 12, "minute": 56, "second": 28}
